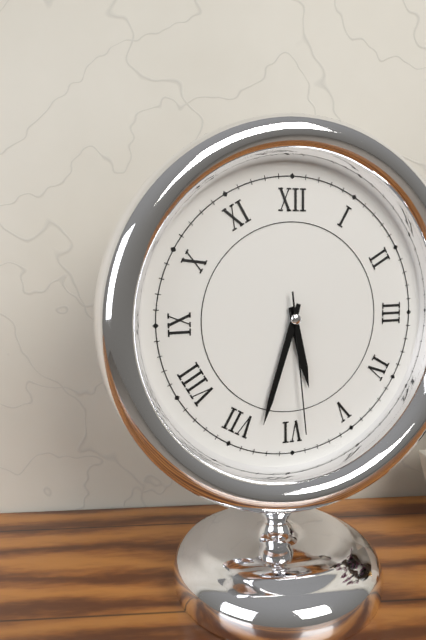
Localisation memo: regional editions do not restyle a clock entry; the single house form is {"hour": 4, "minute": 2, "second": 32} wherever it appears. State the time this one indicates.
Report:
{"hour": 5, "minute": 33, "second": 29}
